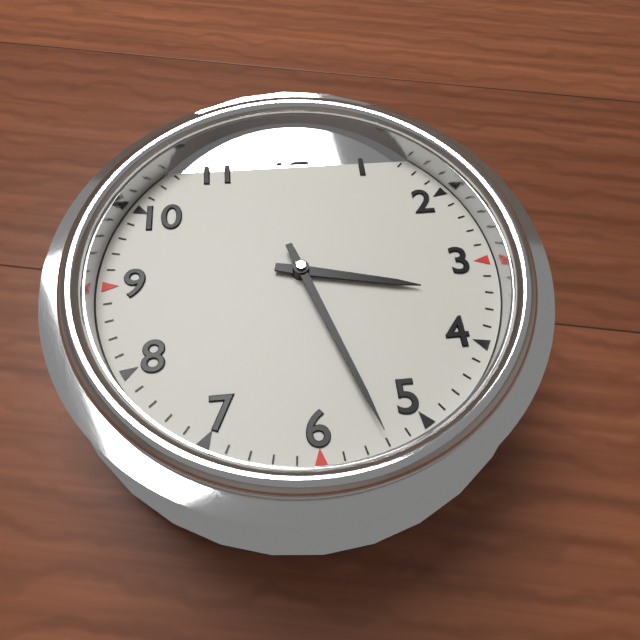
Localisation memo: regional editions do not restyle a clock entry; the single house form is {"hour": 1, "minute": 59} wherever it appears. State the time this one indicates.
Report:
{"hour": 3, "minute": 27}
